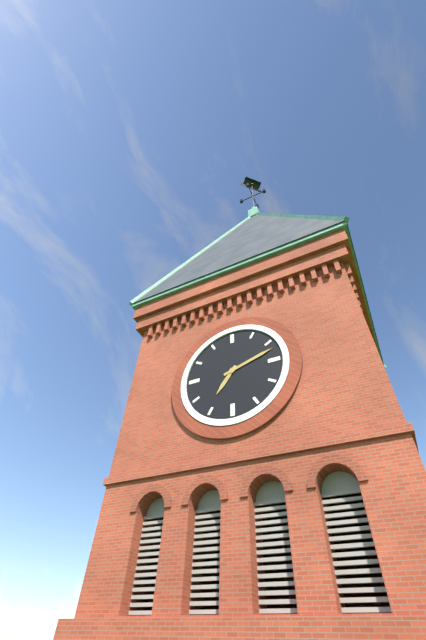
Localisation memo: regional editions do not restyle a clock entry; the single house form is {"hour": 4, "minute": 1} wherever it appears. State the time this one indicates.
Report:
{"hour": 7, "minute": 12}
